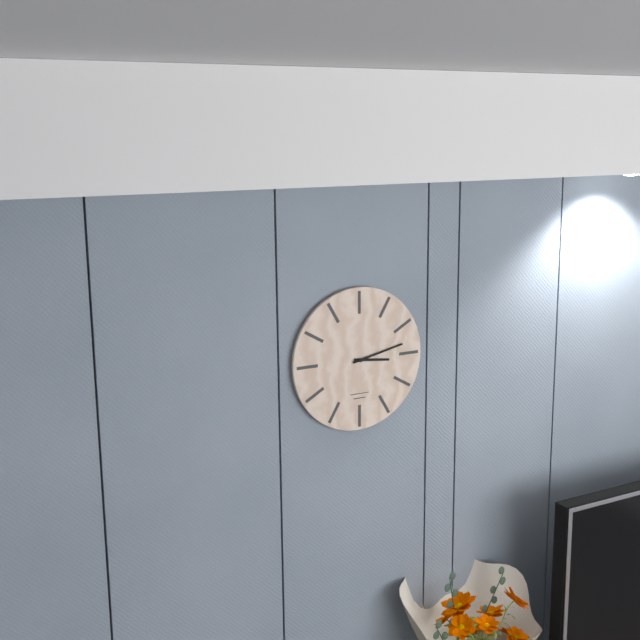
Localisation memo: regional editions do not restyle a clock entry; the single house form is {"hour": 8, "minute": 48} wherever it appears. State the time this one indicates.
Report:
{"hour": 3, "minute": 13}
